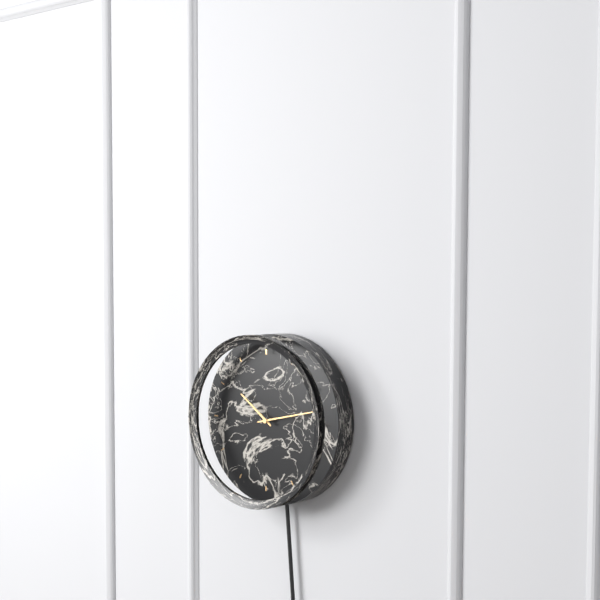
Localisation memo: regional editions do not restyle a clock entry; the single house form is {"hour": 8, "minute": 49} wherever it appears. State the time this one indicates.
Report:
{"hour": 10, "minute": 13}
